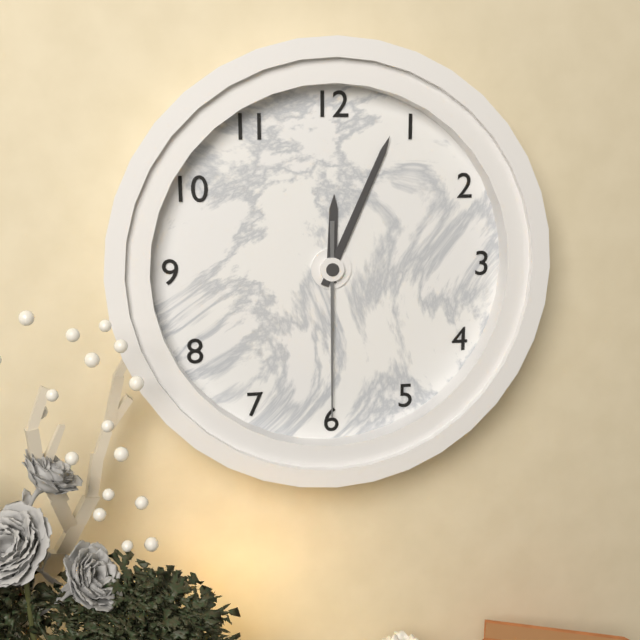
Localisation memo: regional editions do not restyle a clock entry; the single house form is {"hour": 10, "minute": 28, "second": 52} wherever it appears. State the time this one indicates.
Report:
{"hour": 12, "minute": 4, "second": 30}
